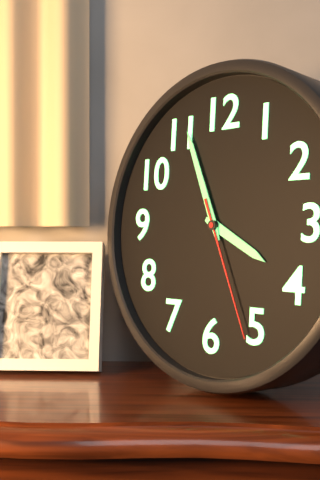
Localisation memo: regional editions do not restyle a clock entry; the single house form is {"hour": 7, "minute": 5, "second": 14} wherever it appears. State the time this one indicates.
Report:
{"hour": 3, "minute": 56, "second": 26}
